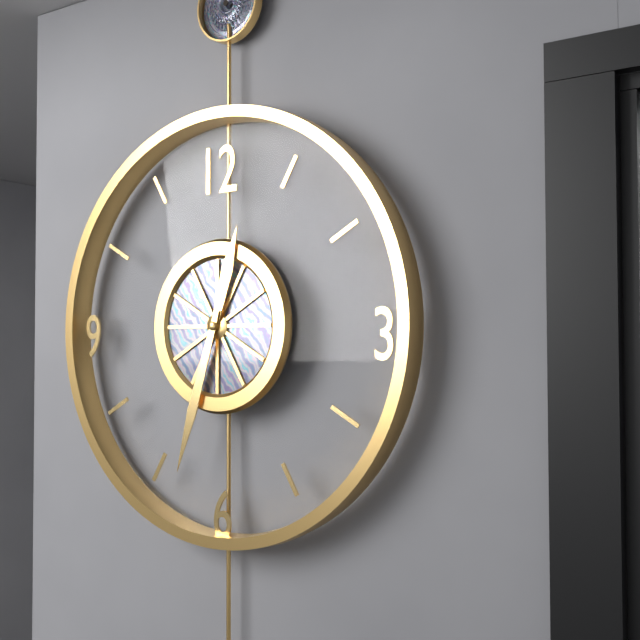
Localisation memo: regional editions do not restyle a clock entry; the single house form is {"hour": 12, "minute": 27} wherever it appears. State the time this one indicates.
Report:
{"hour": 12, "minute": 33}
